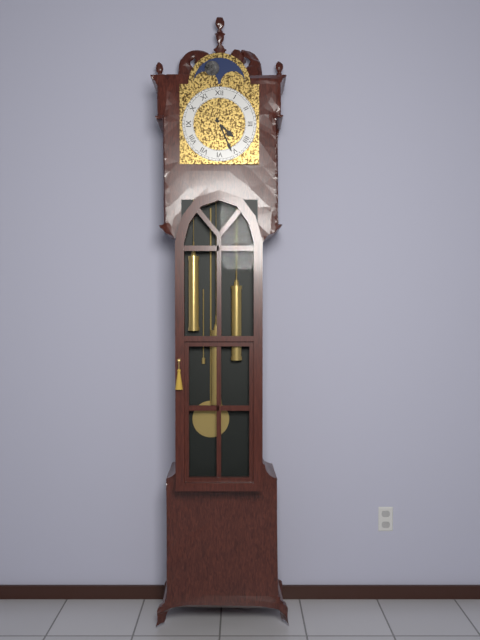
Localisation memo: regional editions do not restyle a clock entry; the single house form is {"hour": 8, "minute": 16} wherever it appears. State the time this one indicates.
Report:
{"hour": 4, "minute": 26}
